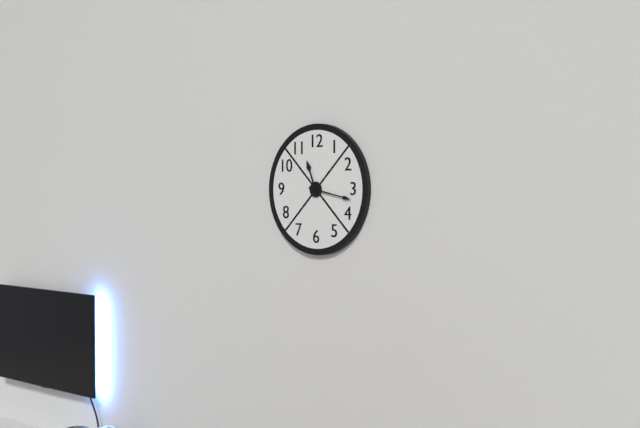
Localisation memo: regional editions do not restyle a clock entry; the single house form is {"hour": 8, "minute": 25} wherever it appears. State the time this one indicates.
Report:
{"hour": 11, "minute": 17}
